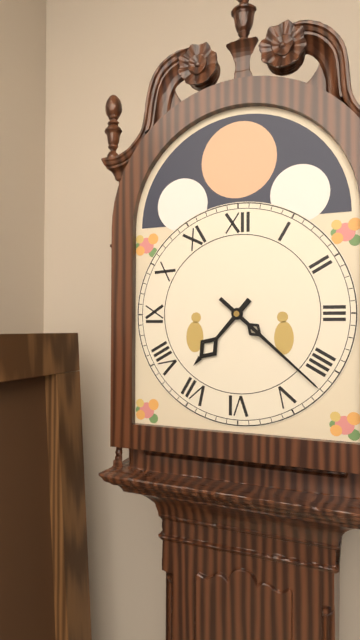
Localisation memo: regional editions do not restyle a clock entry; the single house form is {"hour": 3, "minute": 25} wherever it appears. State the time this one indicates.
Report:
{"hour": 7, "minute": 22}
